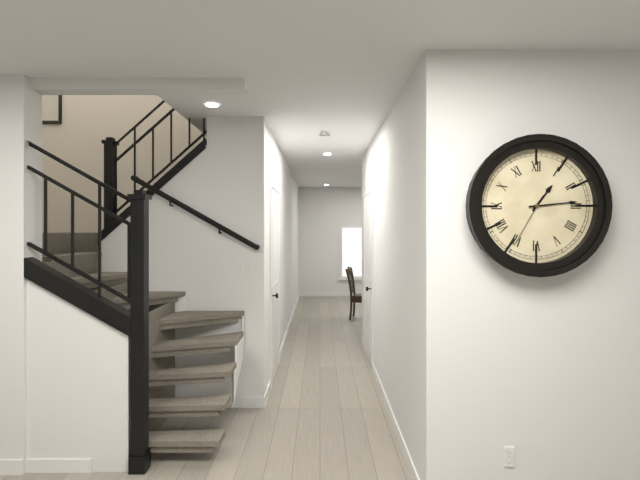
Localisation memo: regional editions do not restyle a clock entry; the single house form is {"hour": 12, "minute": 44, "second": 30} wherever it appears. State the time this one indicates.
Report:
{"hour": 1, "minute": 14, "second": 35}
